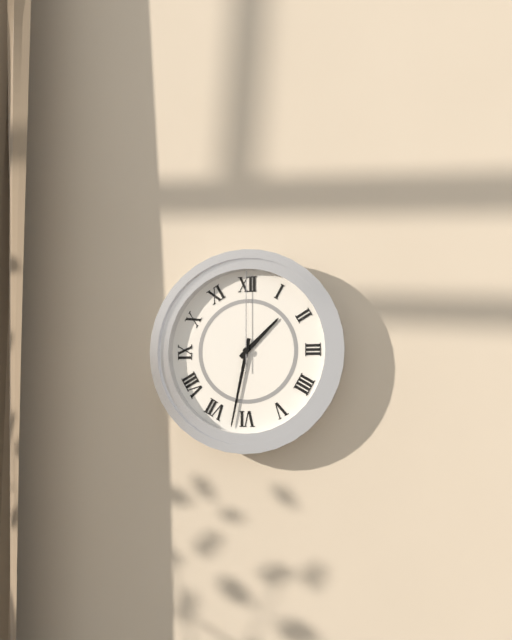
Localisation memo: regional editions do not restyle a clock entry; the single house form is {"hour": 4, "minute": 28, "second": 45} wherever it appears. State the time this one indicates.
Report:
{"hour": 1, "minute": 32, "second": 0}
